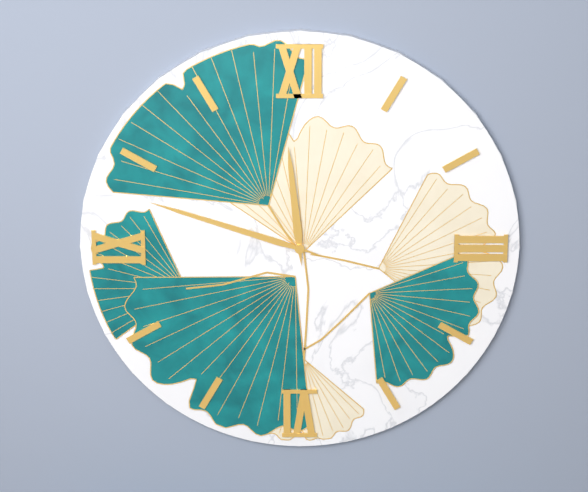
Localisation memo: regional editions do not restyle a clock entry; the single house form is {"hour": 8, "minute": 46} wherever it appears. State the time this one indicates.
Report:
{"hour": 11, "minute": 48}
